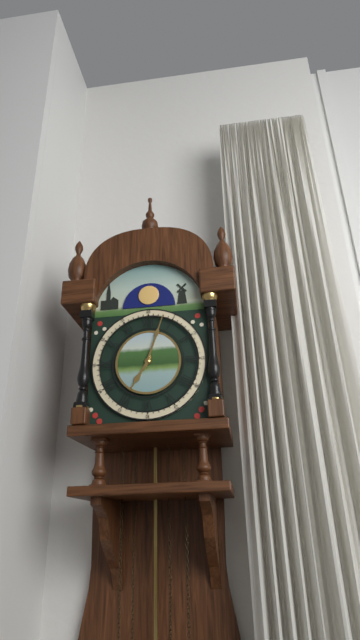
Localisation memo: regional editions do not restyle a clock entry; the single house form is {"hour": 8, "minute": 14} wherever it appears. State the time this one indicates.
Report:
{"hour": 7, "minute": 3}
